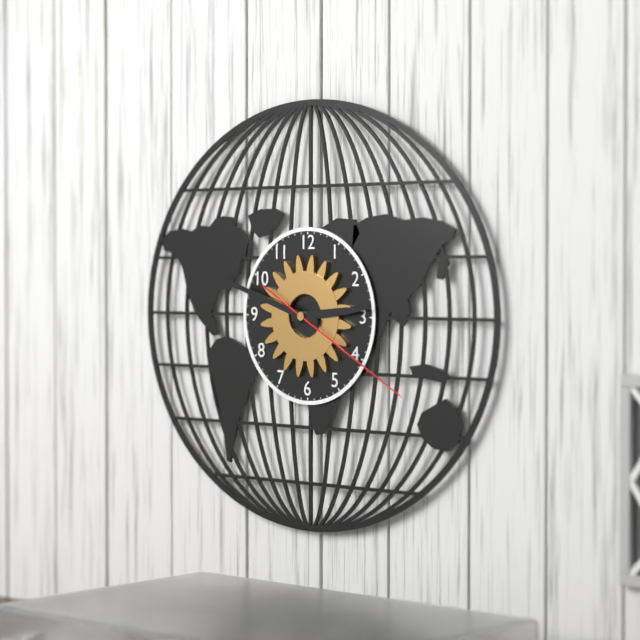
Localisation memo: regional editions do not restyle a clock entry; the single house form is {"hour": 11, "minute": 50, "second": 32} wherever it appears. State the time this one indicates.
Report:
{"hour": 2, "minute": 48, "second": 20}
